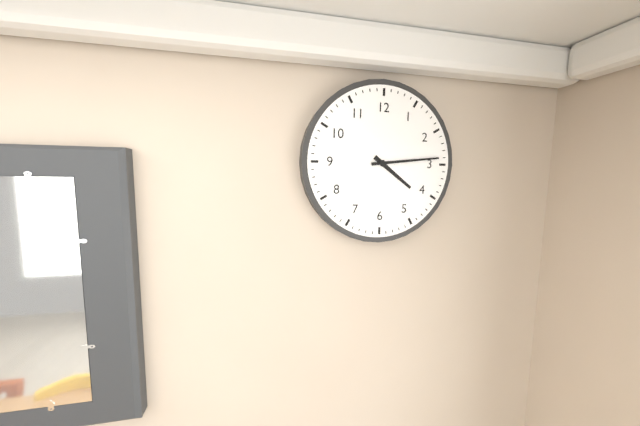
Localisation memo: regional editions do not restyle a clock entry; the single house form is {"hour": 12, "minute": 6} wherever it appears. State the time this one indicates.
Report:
{"hour": 4, "minute": 14}
